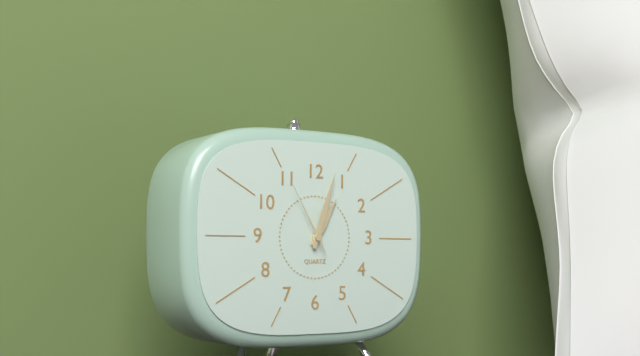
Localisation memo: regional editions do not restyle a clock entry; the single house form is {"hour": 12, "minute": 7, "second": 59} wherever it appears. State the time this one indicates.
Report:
{"hour": 1, "minute": 3, "second": 55}
